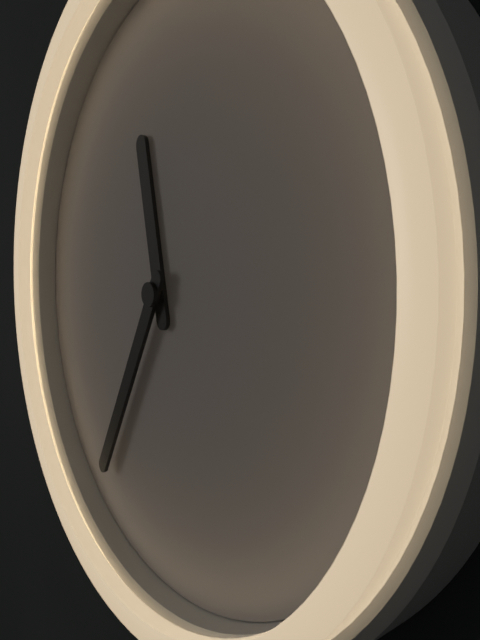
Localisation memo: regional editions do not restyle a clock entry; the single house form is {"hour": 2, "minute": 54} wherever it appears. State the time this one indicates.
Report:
{"hour": 11, "minute": 35}
